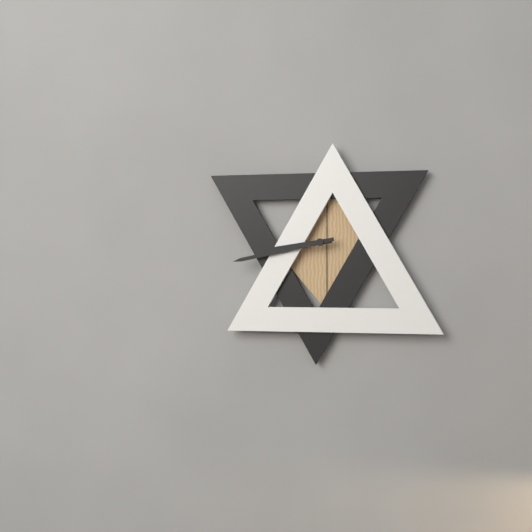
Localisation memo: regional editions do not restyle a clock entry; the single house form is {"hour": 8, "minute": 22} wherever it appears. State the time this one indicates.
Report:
{"hour": 8, "minute": 43}
